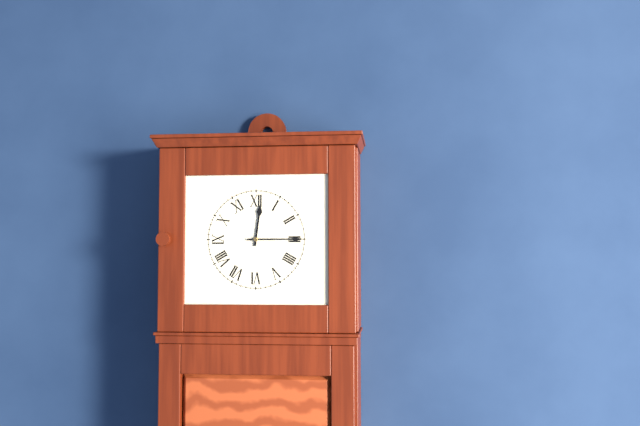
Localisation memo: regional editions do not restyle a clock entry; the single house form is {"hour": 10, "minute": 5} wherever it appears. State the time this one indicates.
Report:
{"hour": 12, "minute": 15}
